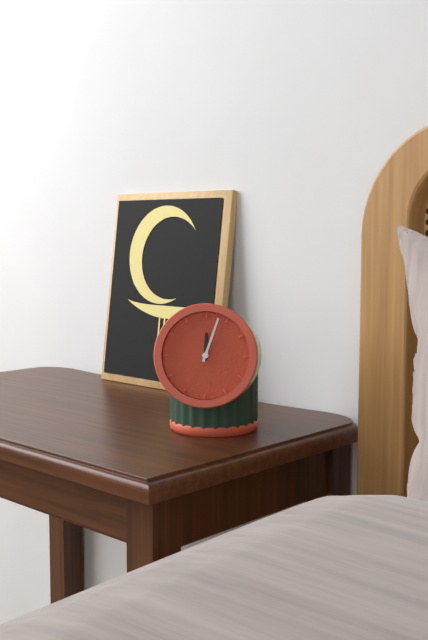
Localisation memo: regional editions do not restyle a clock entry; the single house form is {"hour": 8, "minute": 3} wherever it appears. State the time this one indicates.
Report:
{"hour": 12, "minute": 3}
